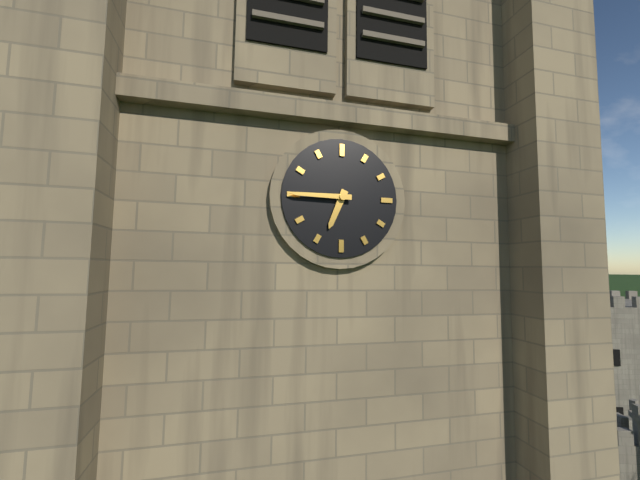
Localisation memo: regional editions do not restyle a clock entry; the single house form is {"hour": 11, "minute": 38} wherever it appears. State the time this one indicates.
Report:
{"hour": 6, "minute": 45}
